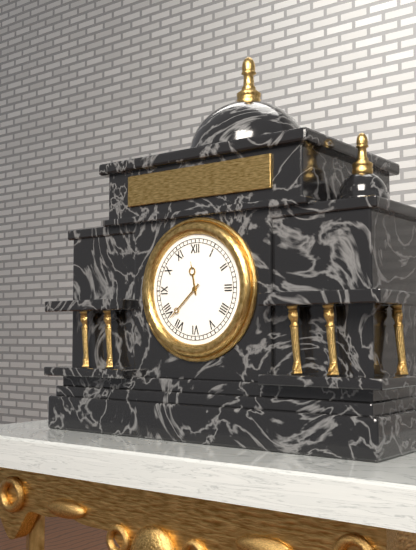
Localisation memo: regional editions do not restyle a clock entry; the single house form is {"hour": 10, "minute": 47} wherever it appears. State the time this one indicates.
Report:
{"hour": 11, "minute": 38}
